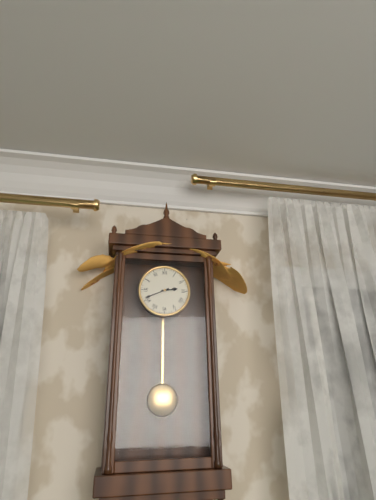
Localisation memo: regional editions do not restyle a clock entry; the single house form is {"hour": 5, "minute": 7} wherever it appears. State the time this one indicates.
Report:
{"hour": 2, "minute": 41}
